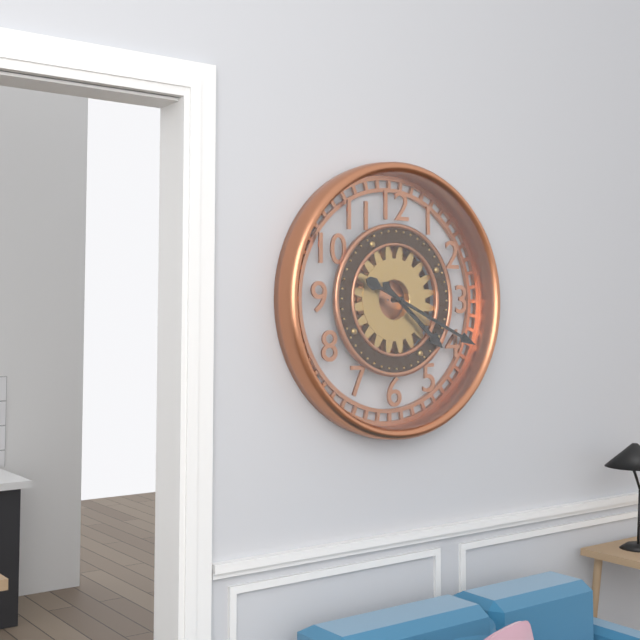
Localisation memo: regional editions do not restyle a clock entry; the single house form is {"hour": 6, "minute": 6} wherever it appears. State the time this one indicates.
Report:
{"hour": 4, "minute": 19}
